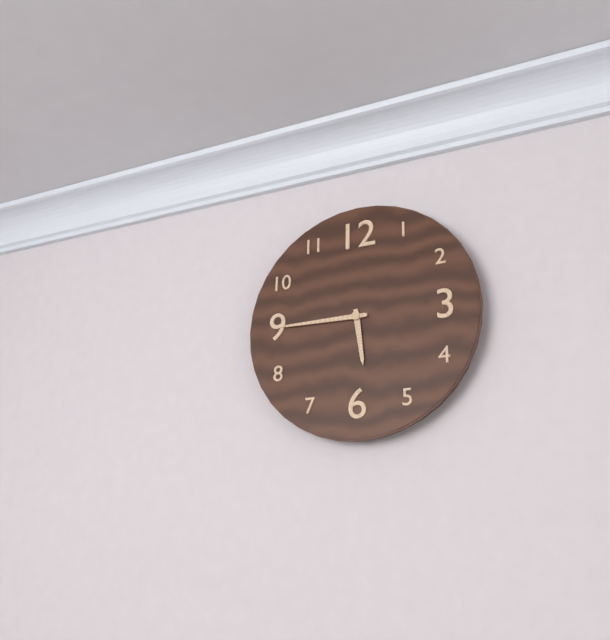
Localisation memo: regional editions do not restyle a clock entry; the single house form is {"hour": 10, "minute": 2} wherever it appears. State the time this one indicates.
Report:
{"hour": 5, "minute": 45}
